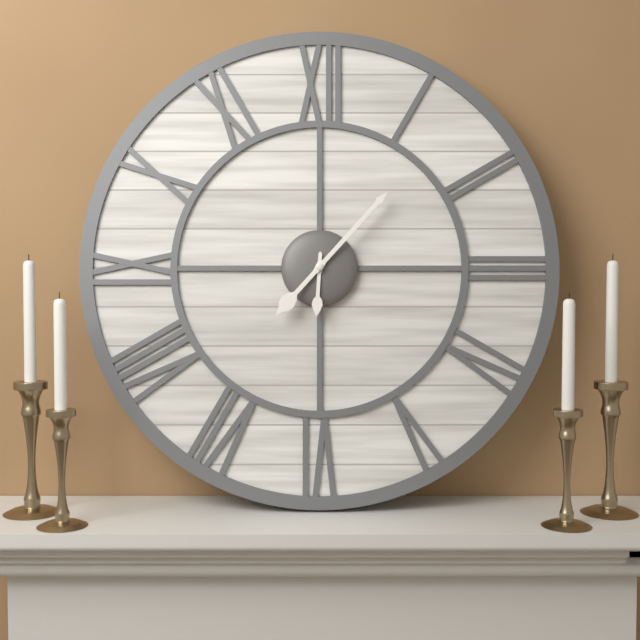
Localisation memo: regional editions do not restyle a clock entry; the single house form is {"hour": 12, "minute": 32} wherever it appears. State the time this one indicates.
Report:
{"hour": 6, "minute": 7}
